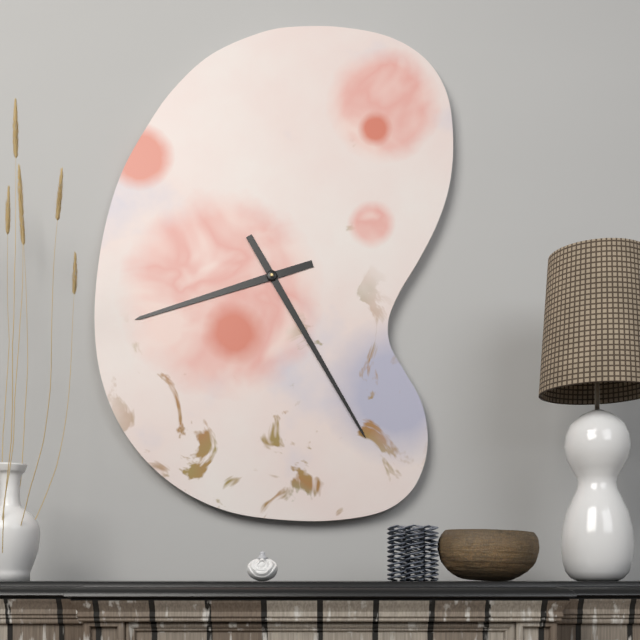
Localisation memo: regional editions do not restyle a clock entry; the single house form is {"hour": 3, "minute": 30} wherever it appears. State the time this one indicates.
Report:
{"hour": 8, "minute": 25}
